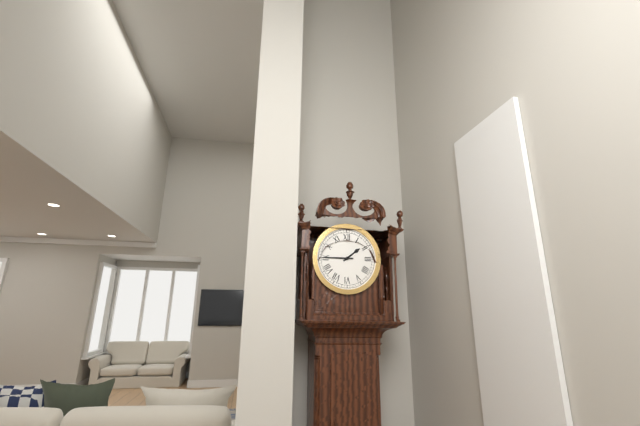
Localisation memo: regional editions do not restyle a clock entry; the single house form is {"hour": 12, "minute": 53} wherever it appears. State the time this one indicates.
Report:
{"hour": 1, "minute": 45}
